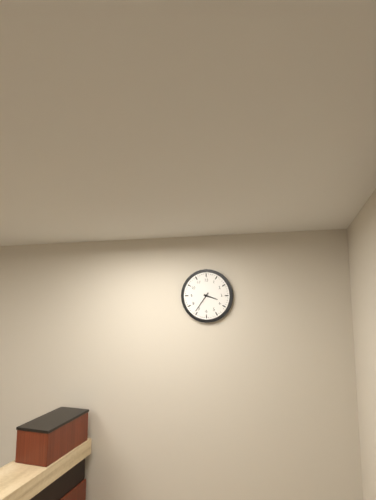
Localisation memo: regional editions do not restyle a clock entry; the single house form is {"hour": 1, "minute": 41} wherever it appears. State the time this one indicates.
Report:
{"hour": 3, "minute": 36}
